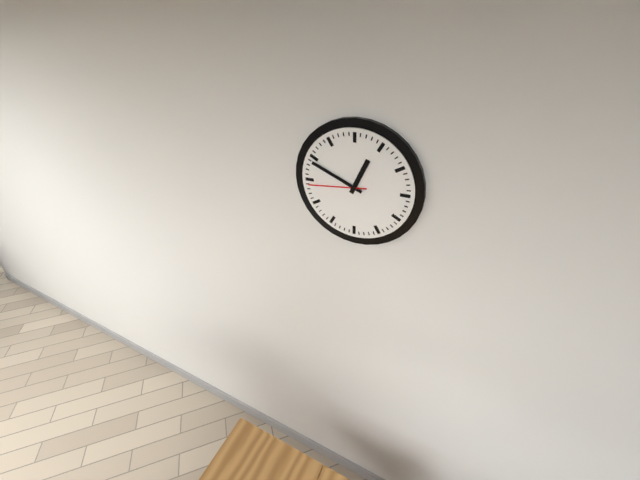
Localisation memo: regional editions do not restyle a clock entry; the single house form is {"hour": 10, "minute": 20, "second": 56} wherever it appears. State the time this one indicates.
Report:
{"hour": 12, "minute": 49, "second": 44}
